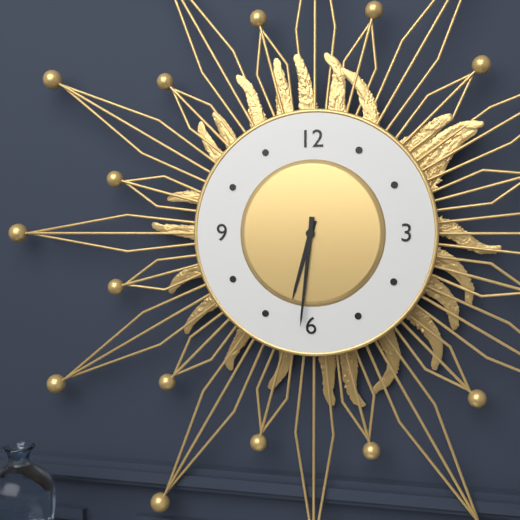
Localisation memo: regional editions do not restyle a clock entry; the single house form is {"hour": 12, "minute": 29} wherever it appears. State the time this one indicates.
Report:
{"hour": 6, "minute": 31}
